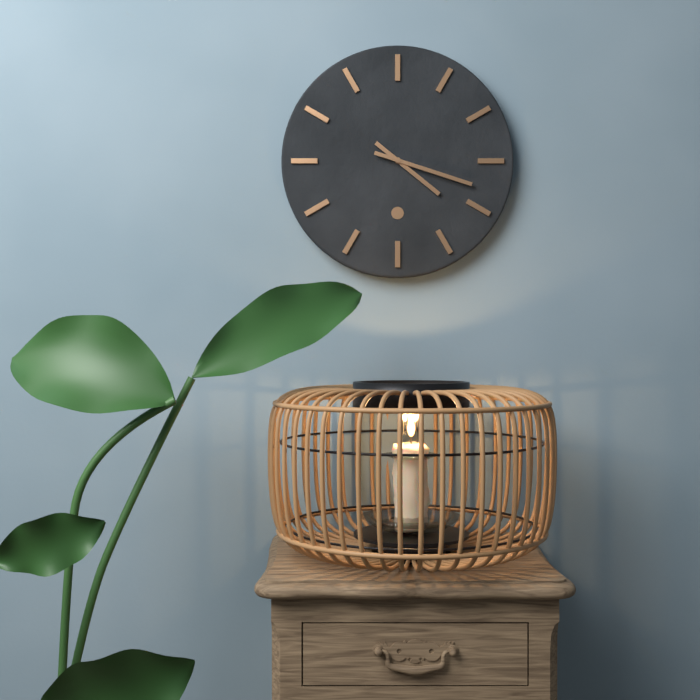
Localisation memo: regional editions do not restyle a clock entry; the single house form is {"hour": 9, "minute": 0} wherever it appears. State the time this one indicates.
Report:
{"hour": 4, "minute": 18}
